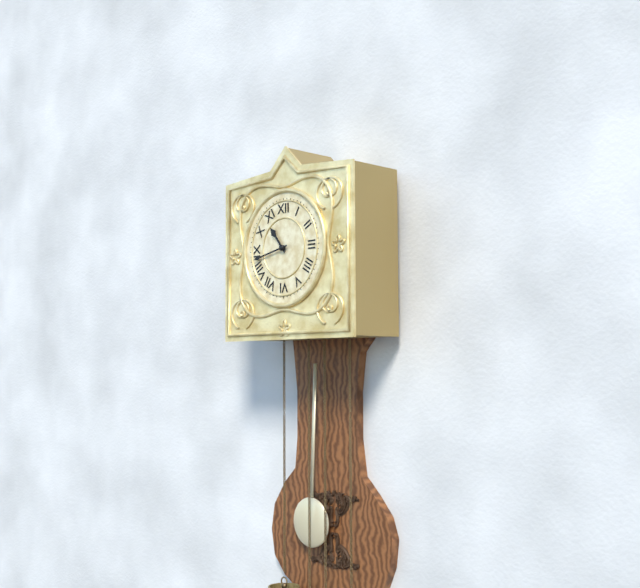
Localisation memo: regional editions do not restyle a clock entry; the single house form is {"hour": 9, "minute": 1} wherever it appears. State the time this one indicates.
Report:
{"hour": 10, "minute": 43}
